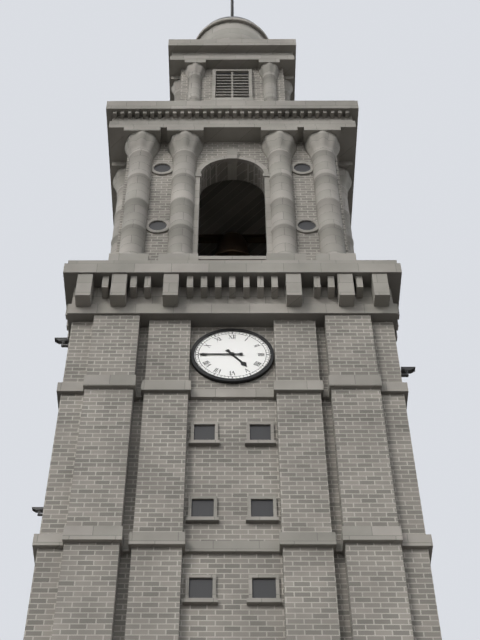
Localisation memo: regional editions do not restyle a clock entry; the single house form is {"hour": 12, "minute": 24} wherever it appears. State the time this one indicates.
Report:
{"hour": 4, "minute": 45}
